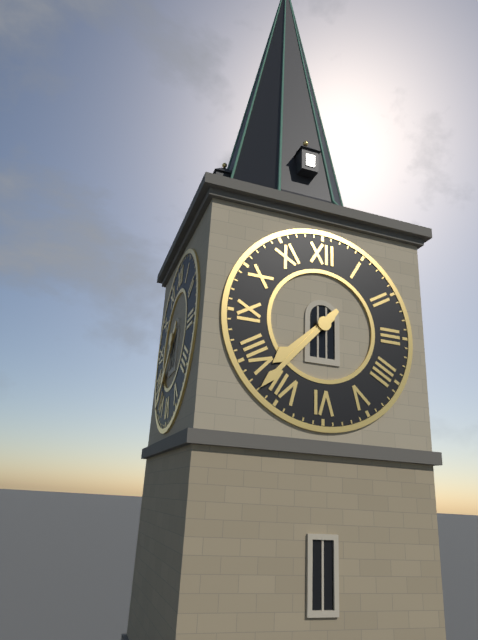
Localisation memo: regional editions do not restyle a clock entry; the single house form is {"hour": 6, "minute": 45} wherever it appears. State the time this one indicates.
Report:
{"hour": 7, "minute": 37}
